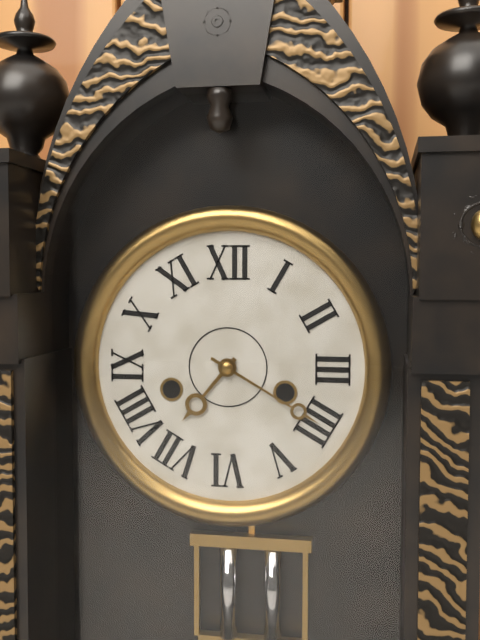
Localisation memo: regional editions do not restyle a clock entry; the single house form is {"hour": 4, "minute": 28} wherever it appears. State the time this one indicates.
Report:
{"hour": 7, "minute": 20}
